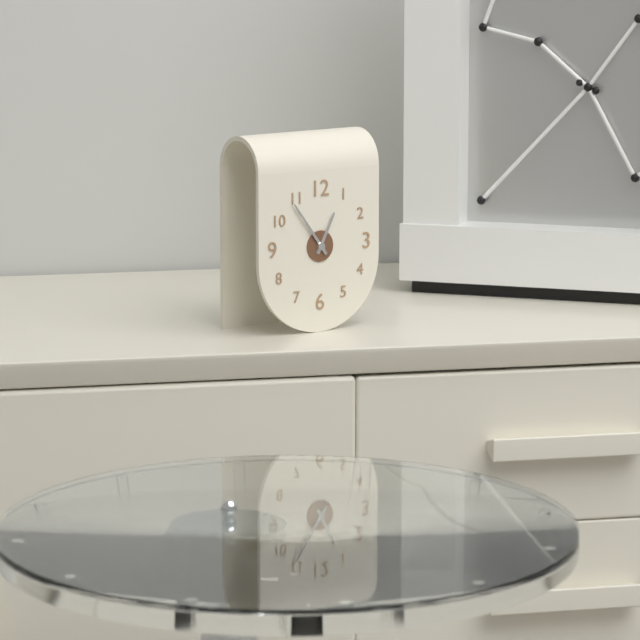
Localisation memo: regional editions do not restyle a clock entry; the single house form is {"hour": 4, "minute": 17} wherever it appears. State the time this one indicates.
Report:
{"hour": 12, "minute": 54}
